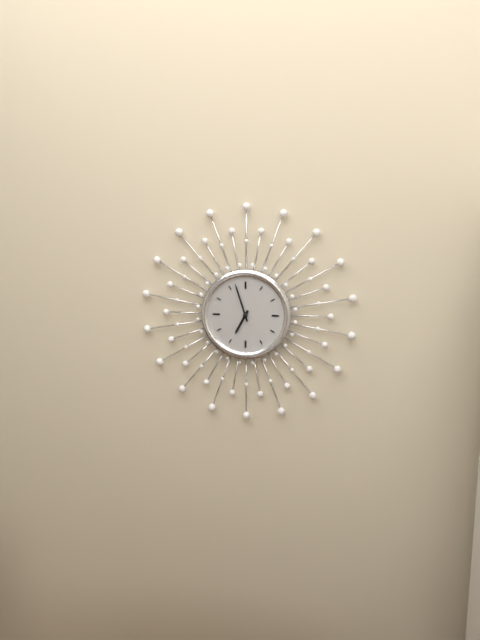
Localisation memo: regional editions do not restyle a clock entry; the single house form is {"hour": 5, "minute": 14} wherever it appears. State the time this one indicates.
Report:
{"hour": 6, "minute": 57}
